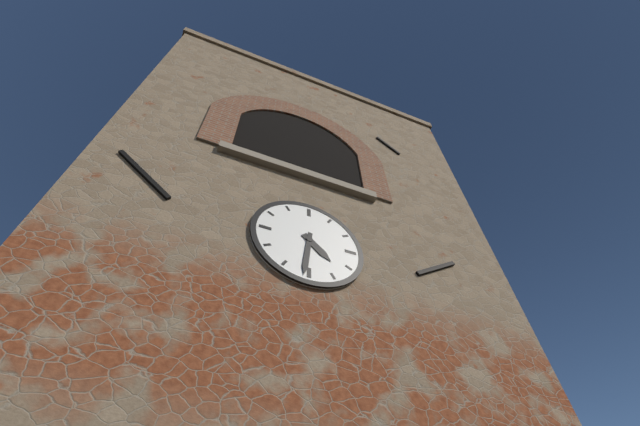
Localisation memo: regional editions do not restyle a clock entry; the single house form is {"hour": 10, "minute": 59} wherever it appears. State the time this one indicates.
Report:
{"hour": 4, "minute": 31}
